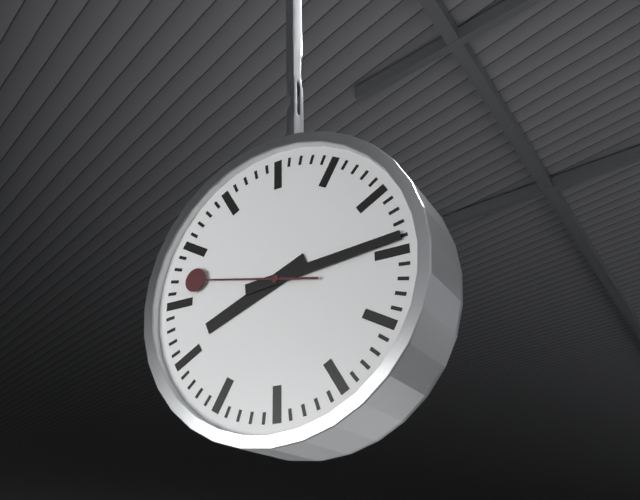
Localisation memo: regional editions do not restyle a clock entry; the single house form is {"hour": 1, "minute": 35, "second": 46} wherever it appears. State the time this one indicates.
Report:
{"hour": 8, "minute": 14, "second": 47}
